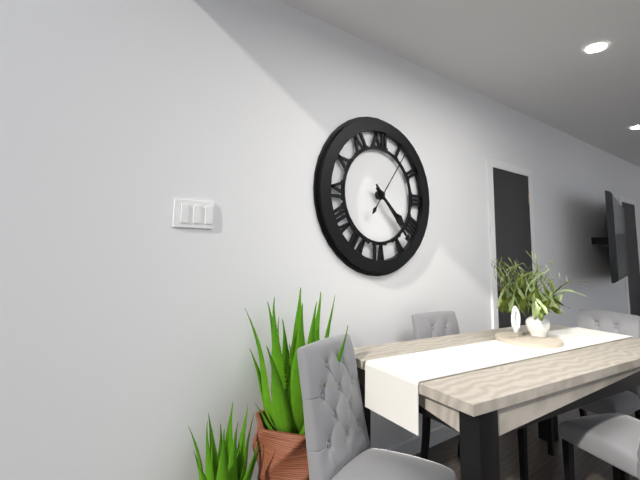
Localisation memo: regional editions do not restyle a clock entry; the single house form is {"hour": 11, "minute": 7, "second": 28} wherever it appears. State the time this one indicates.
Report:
{"hour": 4, "minute": 23, "second": 6}
